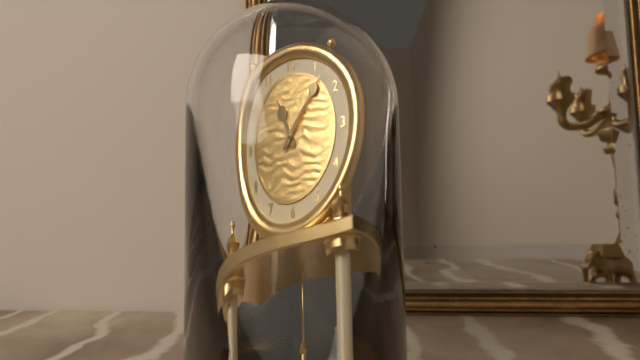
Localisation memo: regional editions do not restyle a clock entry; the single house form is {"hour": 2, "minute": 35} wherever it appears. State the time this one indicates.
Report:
{"hour": 11, "minute": 7}
